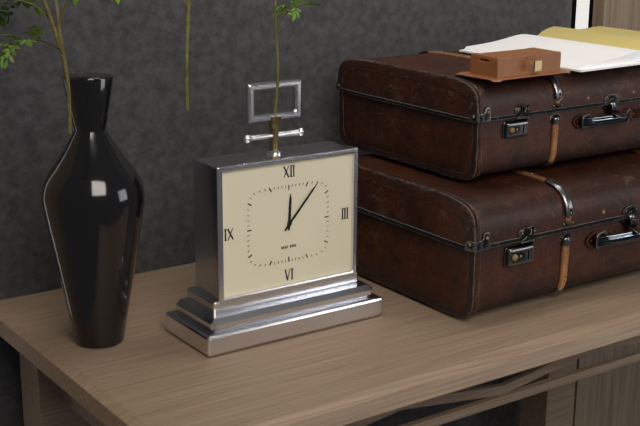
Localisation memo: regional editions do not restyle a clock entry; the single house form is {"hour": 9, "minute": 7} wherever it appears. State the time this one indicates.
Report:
{"hour": 12, "minute": 7}
